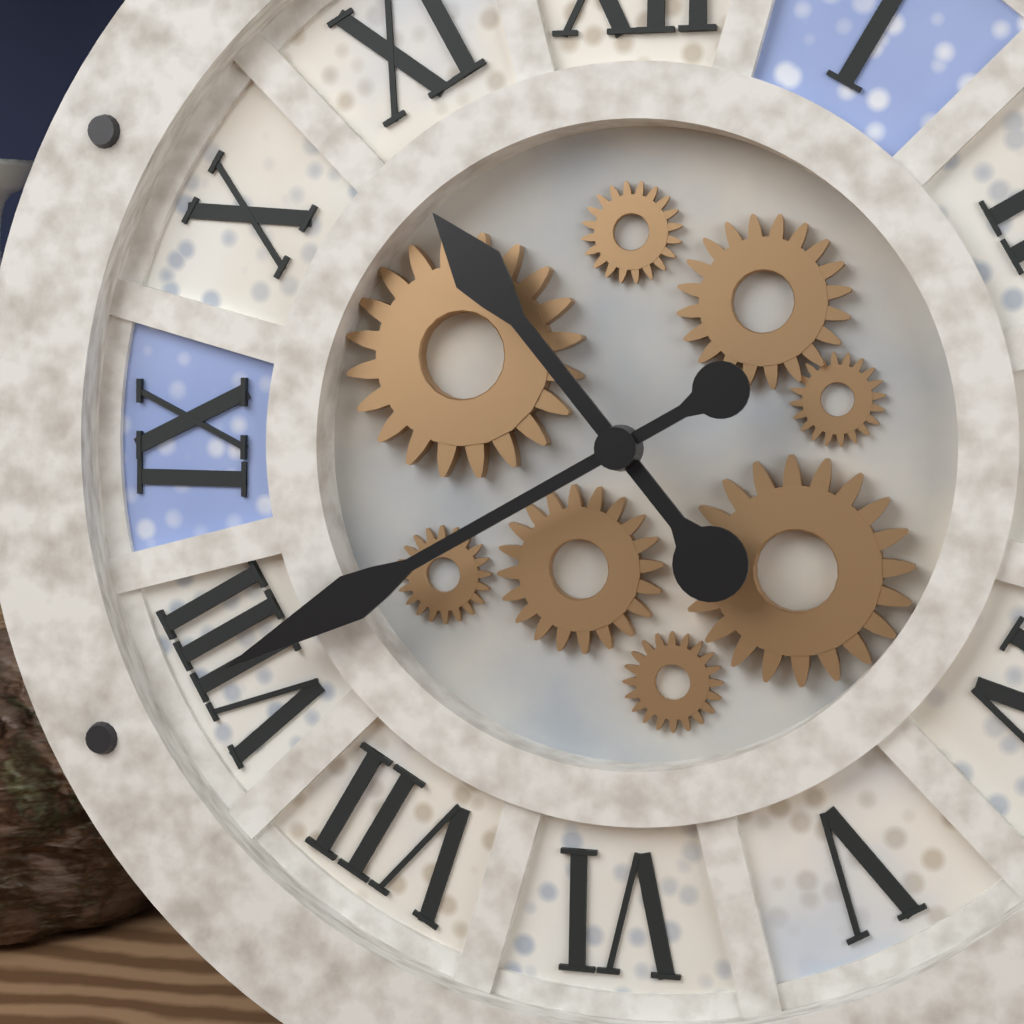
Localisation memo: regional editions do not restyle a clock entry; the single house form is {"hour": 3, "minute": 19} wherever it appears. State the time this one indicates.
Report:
{"hour": 10, "minute": 40}
